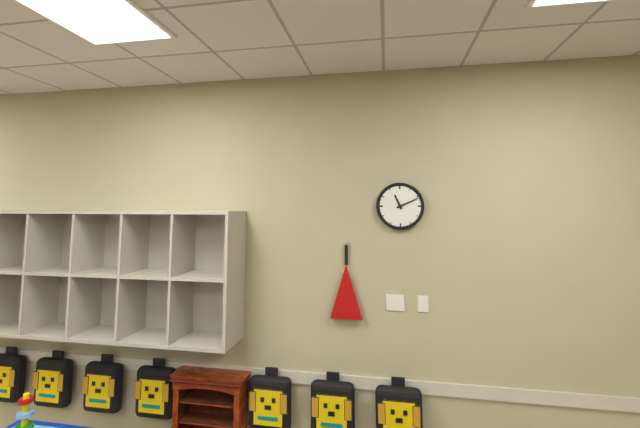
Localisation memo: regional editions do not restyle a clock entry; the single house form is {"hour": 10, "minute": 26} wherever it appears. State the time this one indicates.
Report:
{"hour": 11, "minute": 11}
